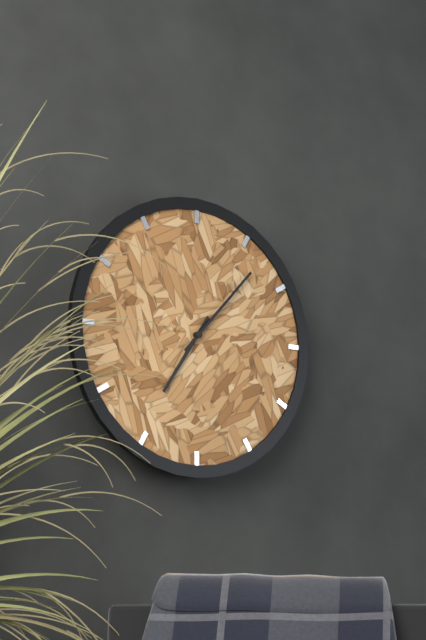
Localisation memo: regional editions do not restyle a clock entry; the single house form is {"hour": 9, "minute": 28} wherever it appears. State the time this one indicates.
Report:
{"hour": 7, "minute": 7}
